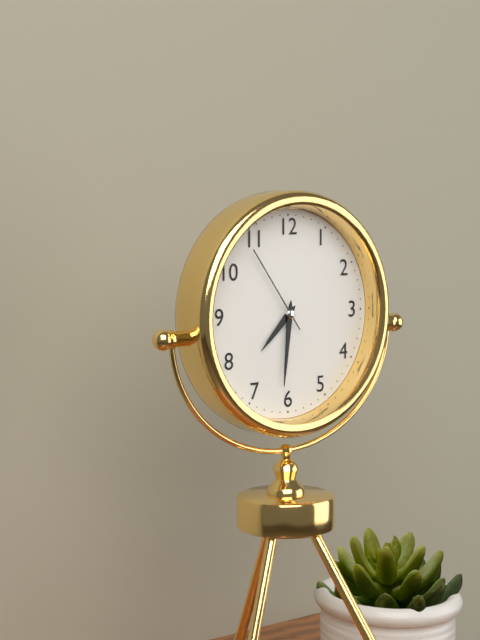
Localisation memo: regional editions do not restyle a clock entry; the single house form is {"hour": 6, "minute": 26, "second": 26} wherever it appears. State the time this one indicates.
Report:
{"hour": 7, "minute": 31, "second": 54}
